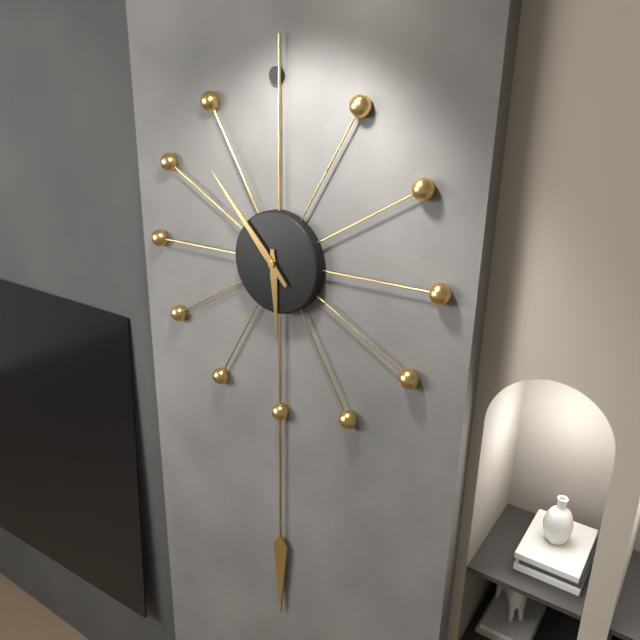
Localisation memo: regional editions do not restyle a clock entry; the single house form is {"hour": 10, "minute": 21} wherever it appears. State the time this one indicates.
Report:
{"hour": 5, "minute": 53}
